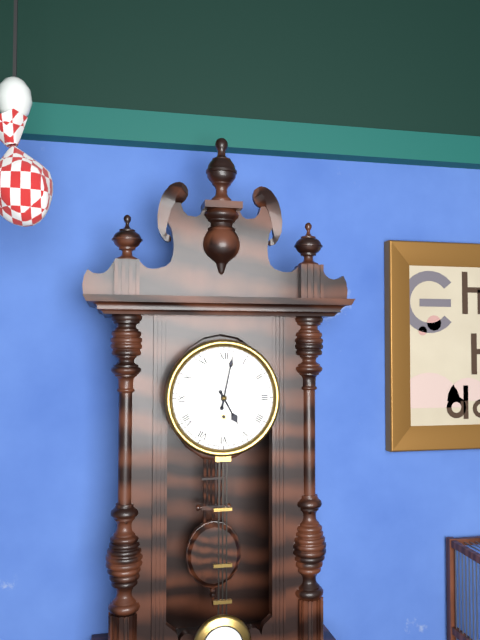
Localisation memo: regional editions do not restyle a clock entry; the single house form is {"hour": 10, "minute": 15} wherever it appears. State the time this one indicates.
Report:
{"hour": 5, "minute": 2}
